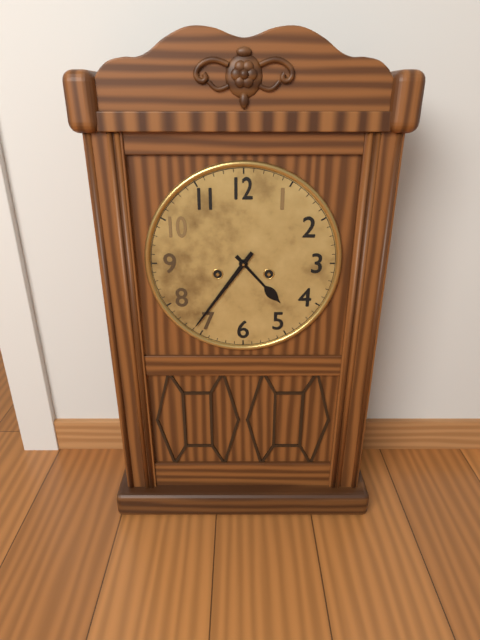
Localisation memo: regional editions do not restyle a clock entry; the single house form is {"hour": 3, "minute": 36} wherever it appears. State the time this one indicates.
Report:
{"hour": 4, "minute": 36}
